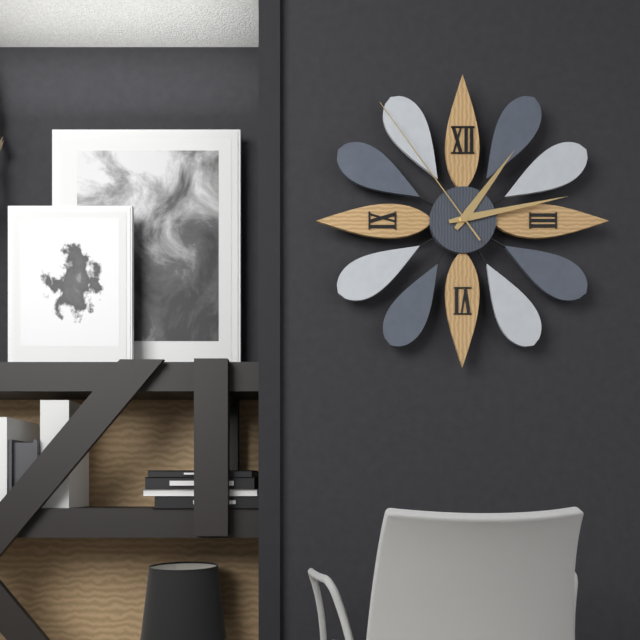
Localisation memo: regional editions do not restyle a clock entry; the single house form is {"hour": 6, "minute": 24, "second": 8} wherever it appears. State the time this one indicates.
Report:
{"hour": 1, "minute": 13, "second": 54}
